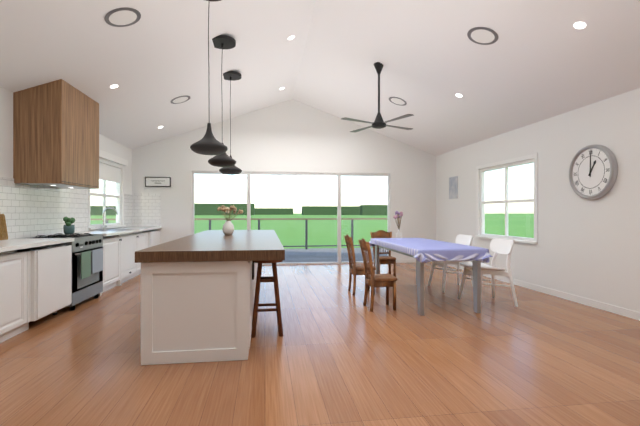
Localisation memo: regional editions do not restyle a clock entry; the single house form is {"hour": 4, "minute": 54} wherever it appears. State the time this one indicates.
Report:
{"hour": 1, "minute": 0}
